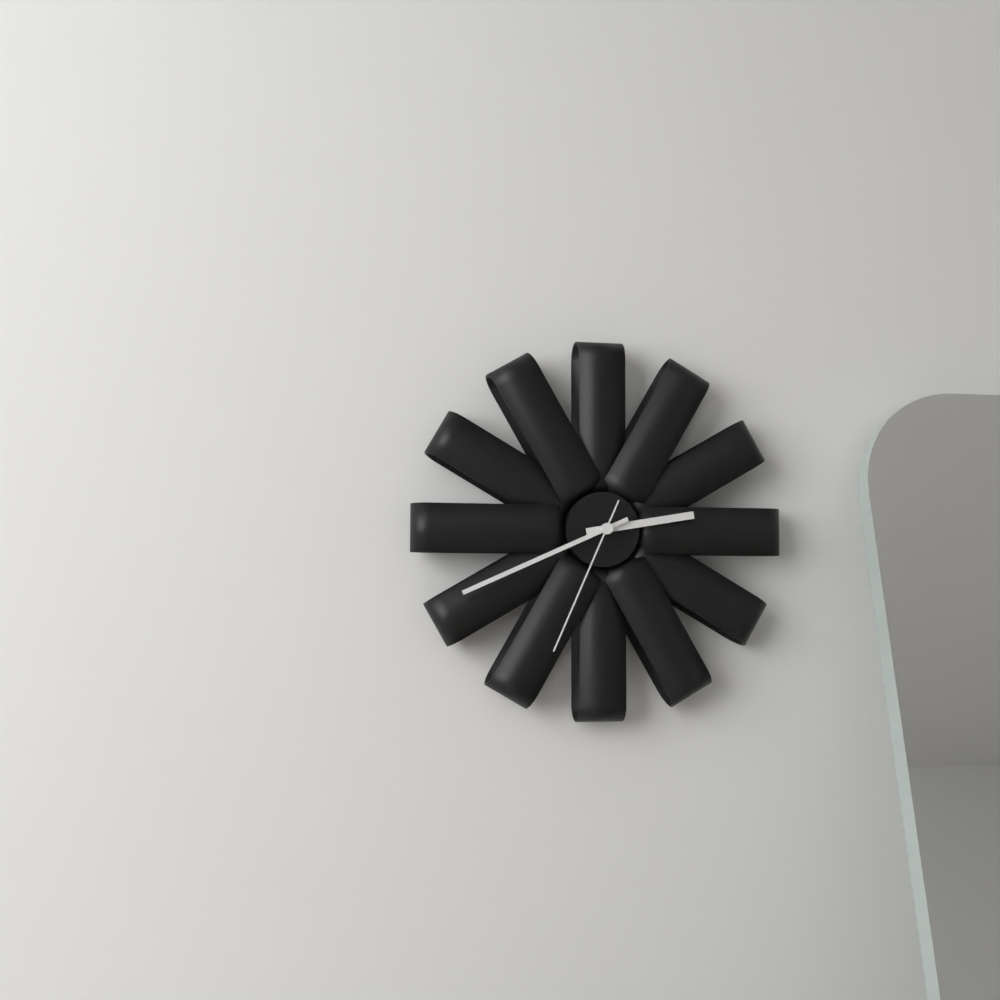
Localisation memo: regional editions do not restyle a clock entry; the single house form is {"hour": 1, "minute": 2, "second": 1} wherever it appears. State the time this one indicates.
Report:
{"hour": 2, "minute": 41, "second": 34}
